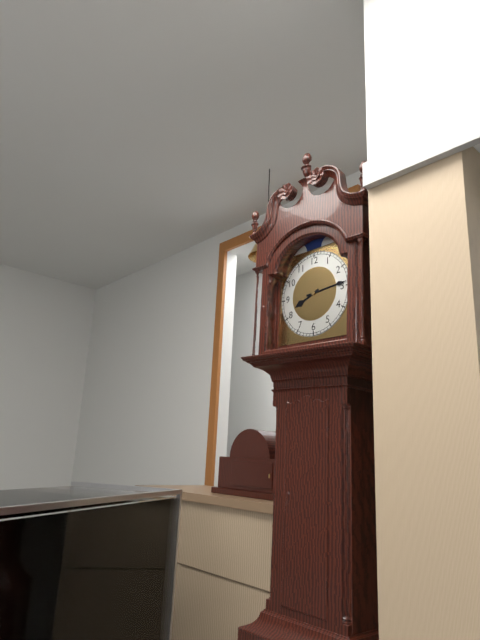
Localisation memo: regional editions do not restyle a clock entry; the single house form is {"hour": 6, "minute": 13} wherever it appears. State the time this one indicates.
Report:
{"hour": 8, "minute": 14}
